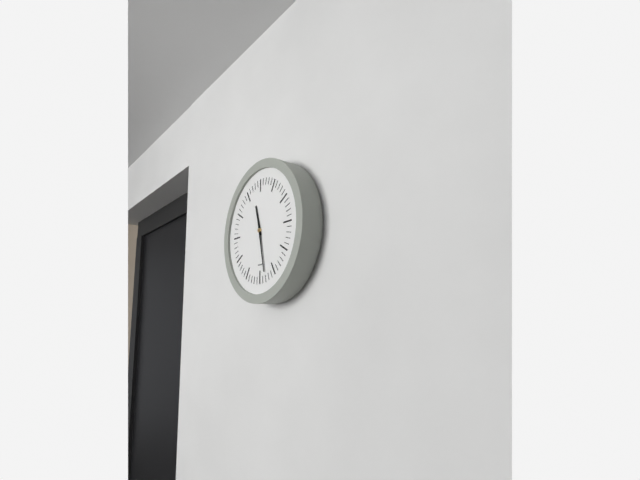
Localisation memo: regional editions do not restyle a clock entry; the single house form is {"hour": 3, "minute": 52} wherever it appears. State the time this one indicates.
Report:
{"hour": 11, "minute": 28}
